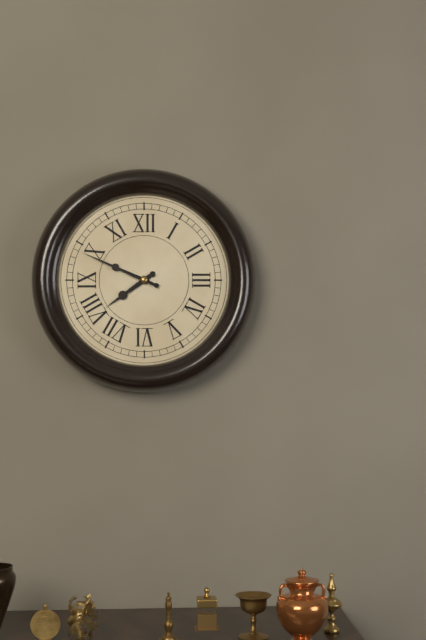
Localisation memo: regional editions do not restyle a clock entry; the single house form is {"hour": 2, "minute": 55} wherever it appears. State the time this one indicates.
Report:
{"hour": 7, "minute": 49}
